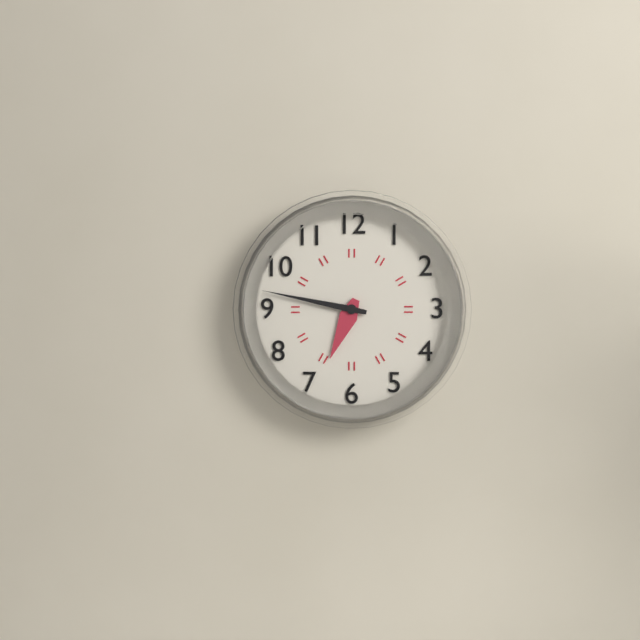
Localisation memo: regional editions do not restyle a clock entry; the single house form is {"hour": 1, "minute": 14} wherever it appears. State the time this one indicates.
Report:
{"hour": 6, "minute": 47}
